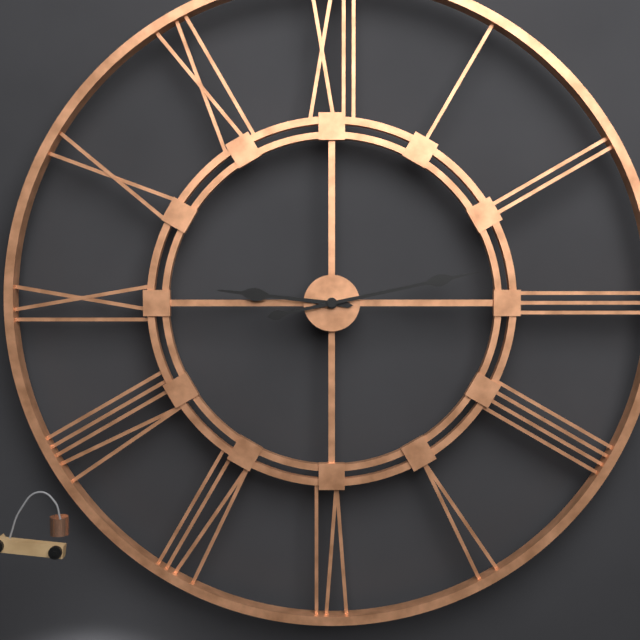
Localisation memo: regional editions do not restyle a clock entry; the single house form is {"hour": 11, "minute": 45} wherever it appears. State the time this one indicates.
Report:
{"hour": 9, "minute": 13}
